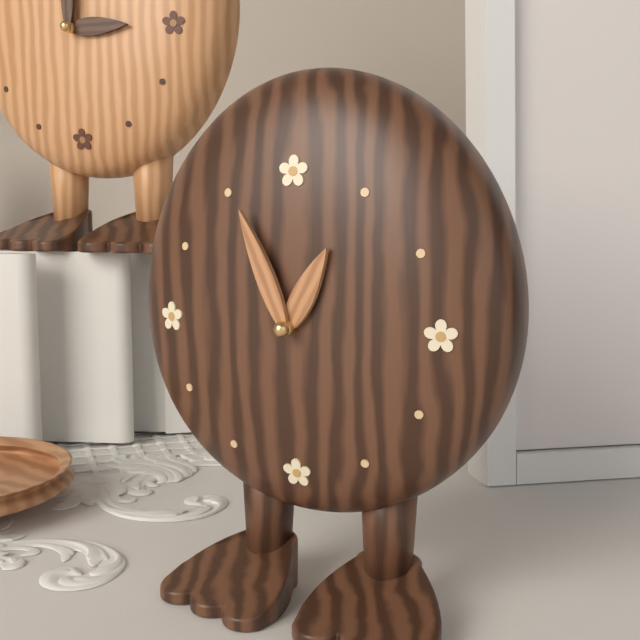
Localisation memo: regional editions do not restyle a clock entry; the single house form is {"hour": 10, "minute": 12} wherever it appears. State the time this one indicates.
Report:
{"hour": 12, "minute": 56}
